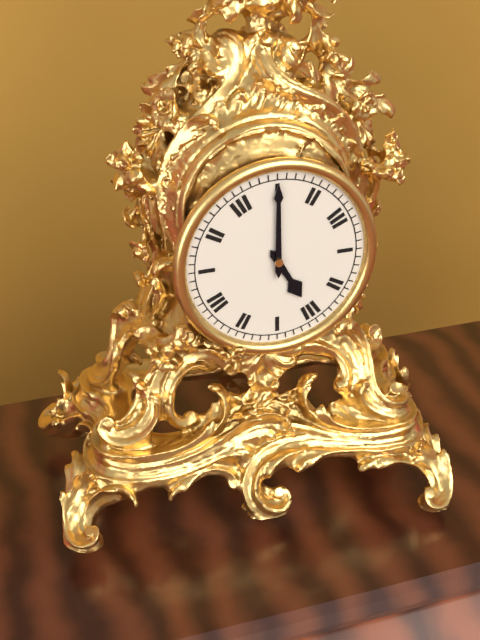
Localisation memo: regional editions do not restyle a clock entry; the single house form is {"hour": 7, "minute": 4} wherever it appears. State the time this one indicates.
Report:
{"hour": 5, "minute": 0}
